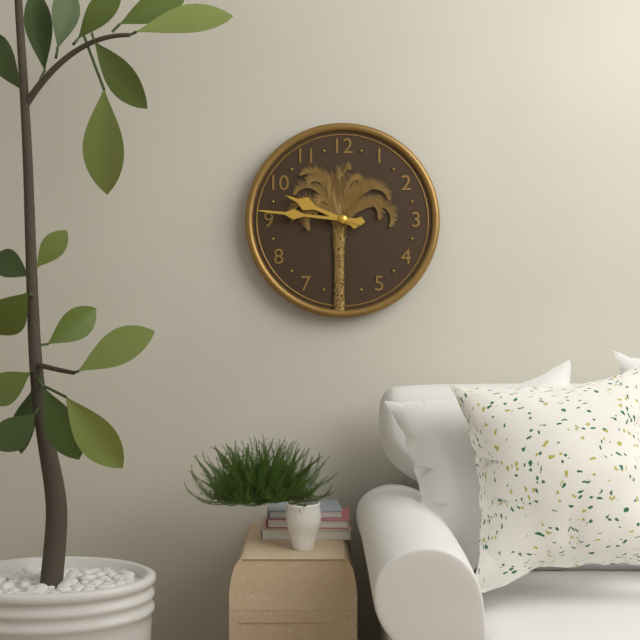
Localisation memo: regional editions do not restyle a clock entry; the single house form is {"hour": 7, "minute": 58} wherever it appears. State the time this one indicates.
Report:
{"hour": 9, "minute": 46}
